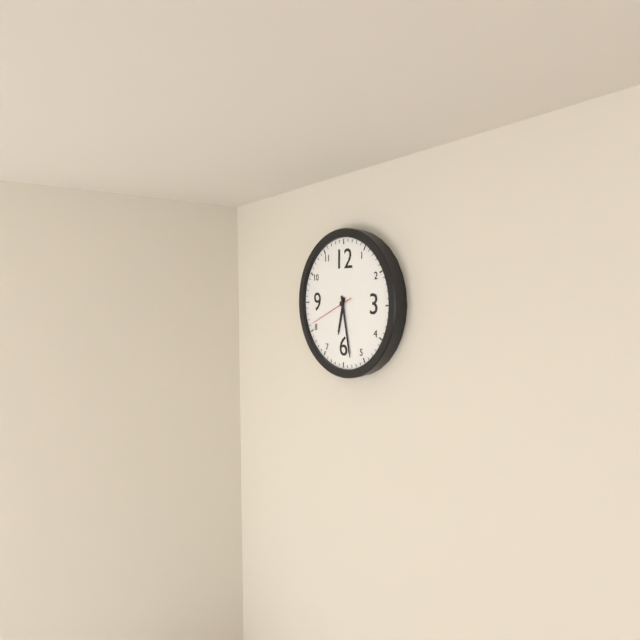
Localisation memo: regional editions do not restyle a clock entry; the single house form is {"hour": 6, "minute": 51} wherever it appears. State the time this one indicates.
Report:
{"hour": 6, "minute": 28}
